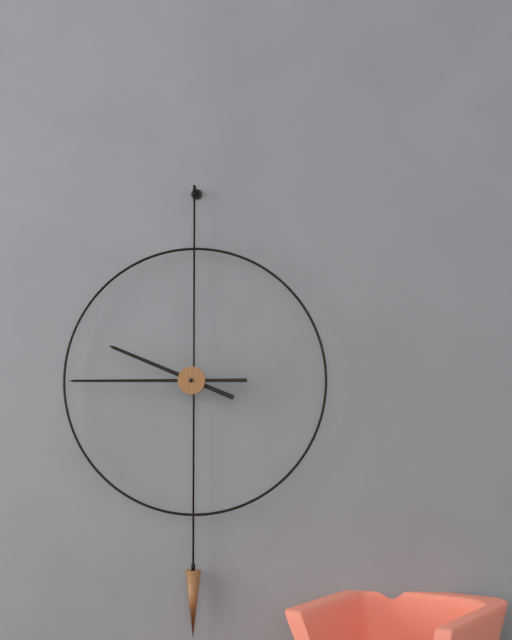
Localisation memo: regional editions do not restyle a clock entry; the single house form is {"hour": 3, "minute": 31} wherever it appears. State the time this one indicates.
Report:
{"hour": 9, "minute": 45}
